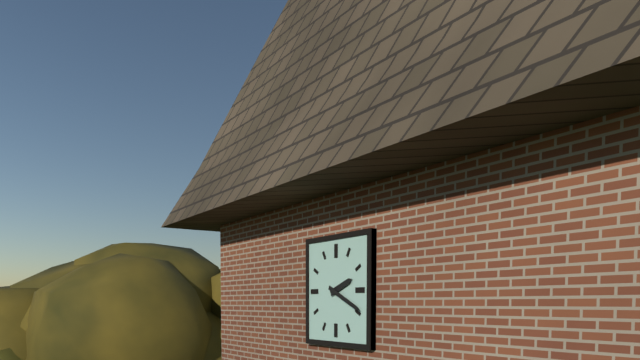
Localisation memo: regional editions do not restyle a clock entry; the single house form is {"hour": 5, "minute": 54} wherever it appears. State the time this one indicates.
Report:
{"hour": 2, "minute": 19}
